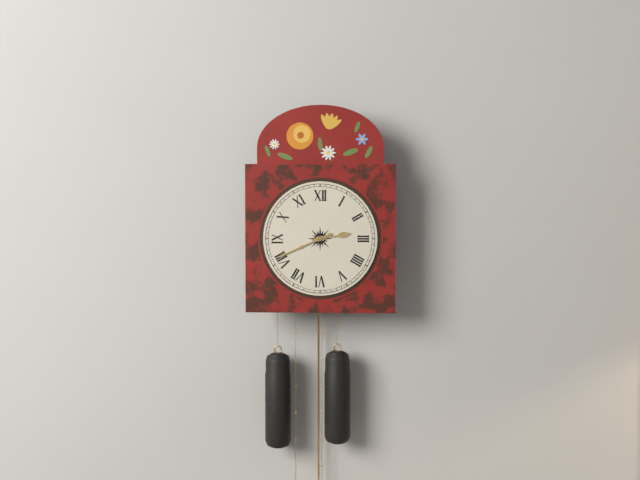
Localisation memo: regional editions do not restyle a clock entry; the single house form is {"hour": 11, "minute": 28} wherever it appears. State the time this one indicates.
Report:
{"hour": 2, "minute": 41}
